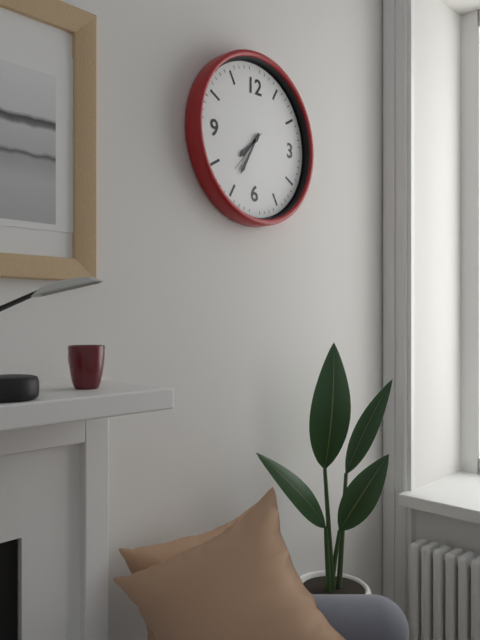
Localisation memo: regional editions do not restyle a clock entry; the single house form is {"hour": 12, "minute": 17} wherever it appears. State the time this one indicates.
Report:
{"hour": 7, "minute": 35}
